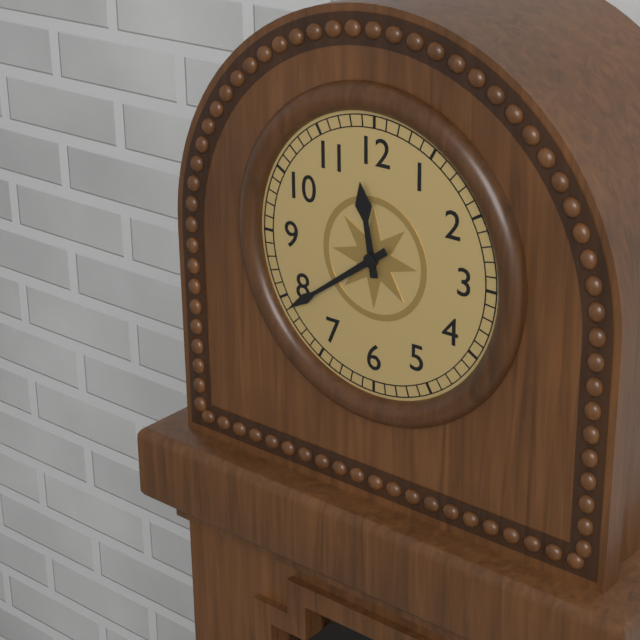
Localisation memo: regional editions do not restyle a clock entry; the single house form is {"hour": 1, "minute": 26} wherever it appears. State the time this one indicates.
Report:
{"hour": 11, "minute": 39}
